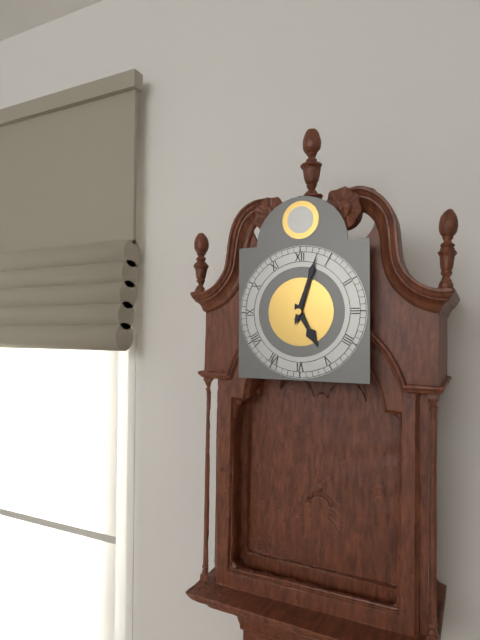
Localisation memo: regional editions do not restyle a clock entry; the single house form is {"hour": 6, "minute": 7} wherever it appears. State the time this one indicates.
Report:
{"hour": 5, "minute": 3}
